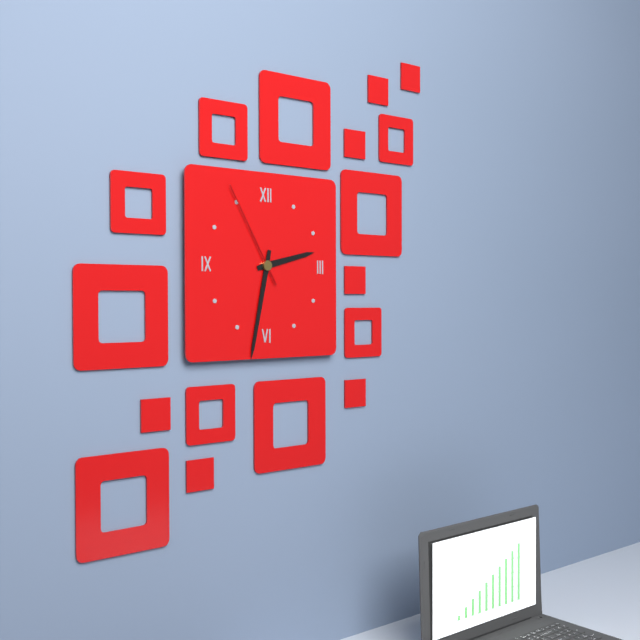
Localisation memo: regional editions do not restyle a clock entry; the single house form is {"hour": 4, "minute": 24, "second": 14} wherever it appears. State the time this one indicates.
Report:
{"hour": 2, "minute": 32, "second": 55}
